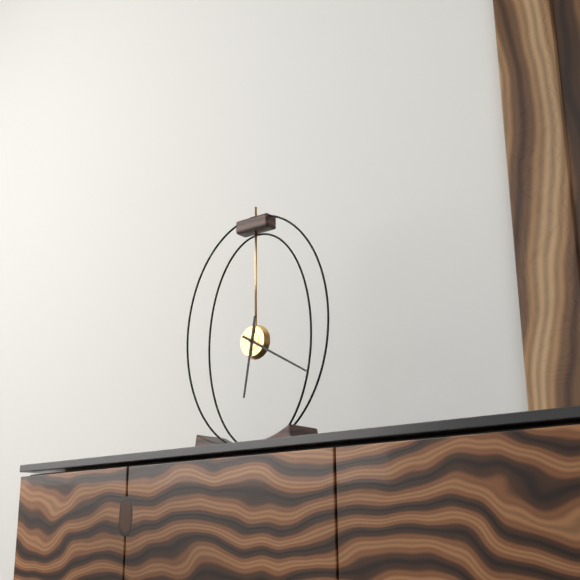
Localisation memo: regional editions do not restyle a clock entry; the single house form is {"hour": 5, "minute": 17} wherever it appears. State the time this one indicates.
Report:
{"hour": 6, "minute": 20}
